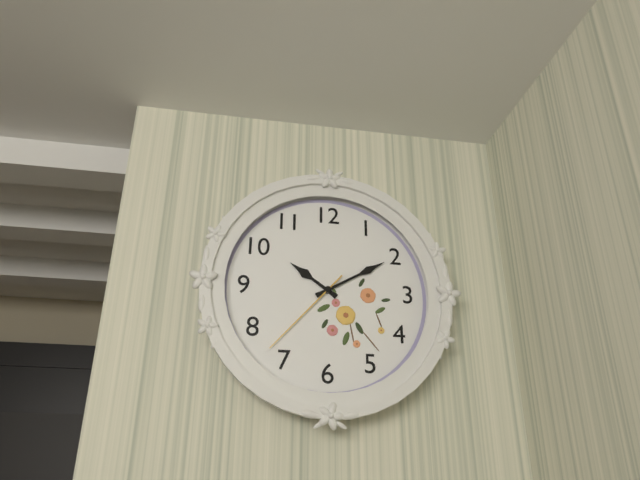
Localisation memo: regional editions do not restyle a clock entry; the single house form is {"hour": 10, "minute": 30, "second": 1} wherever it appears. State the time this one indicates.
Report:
{"hour": 10, "minute": 10, "second": 37}
